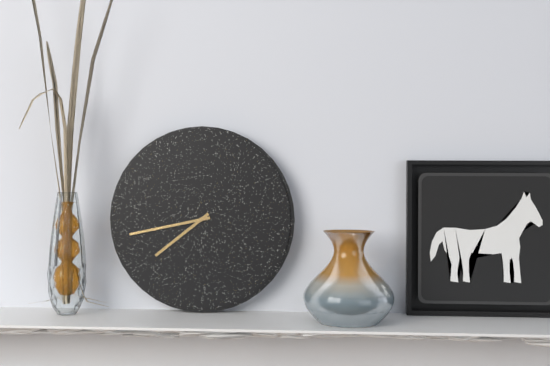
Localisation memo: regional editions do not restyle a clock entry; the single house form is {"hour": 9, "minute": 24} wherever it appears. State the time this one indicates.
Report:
{"hour": 7, "minute": 43}
